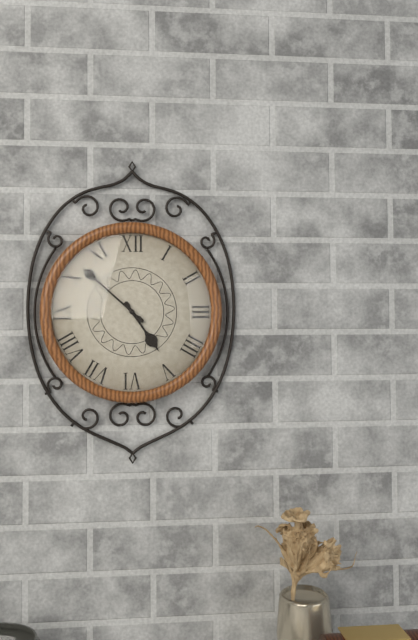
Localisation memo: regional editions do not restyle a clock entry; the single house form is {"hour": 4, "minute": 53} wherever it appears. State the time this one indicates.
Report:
{"hour": 4, "minute": 52}
